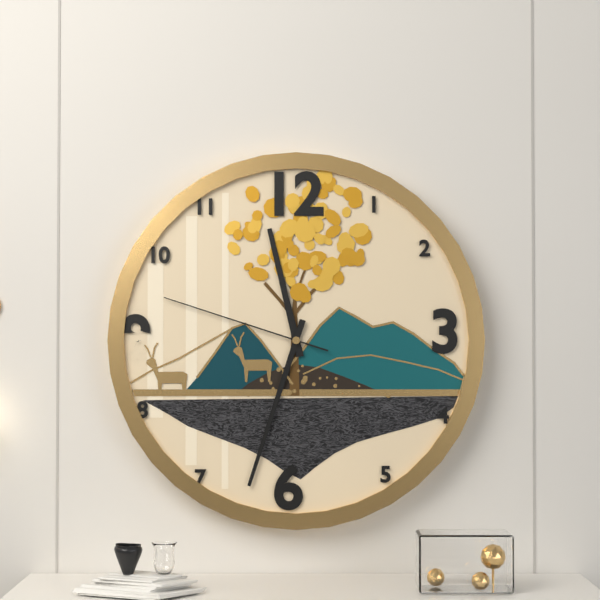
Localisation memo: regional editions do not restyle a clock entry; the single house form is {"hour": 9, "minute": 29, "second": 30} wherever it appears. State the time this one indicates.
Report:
{"hour": 11, "minute": 33, "second": 48}
